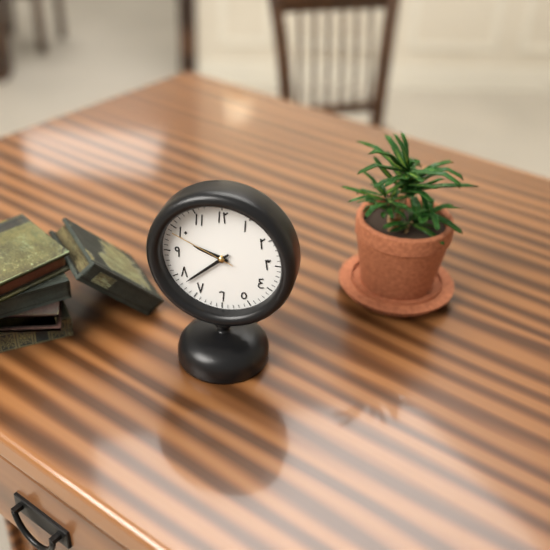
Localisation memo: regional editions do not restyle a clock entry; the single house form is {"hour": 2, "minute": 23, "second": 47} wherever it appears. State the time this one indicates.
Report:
{"hour": 9, "minute": 38, "second": 49}
